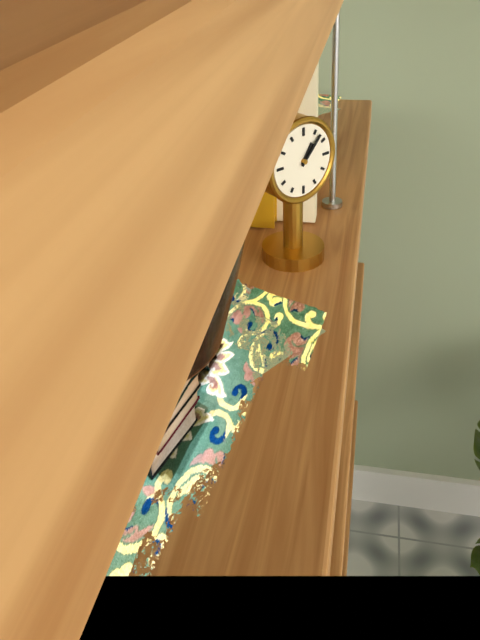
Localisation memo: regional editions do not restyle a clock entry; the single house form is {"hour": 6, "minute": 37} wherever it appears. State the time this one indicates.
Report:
{"hour": 1, "minute": 7}
